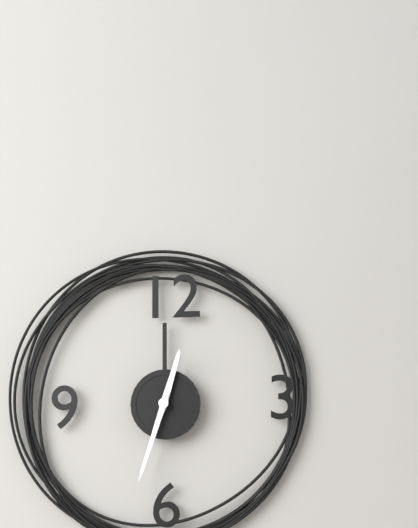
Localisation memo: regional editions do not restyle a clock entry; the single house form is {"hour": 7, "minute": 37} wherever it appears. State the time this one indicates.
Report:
{"hour": 12, "minute": 33}
